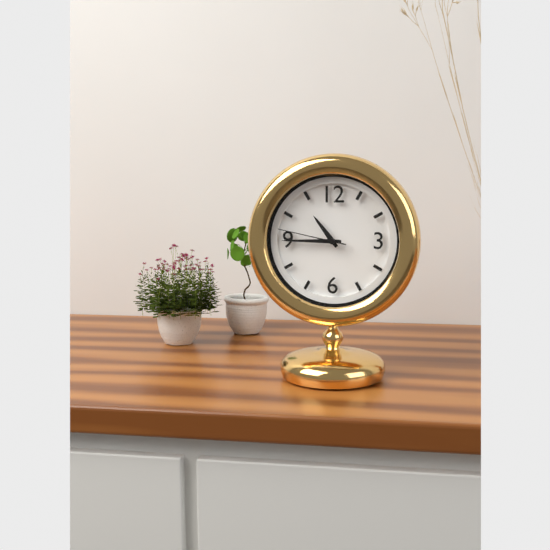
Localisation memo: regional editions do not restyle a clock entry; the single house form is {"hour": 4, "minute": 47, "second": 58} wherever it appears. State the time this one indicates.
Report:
{"hour": 10, "minute": 45, "second": 47}
